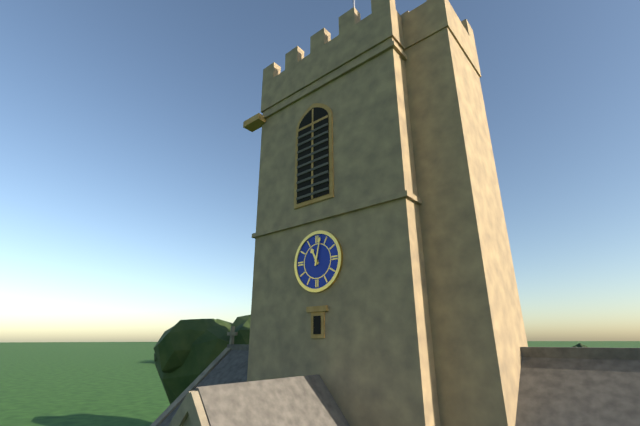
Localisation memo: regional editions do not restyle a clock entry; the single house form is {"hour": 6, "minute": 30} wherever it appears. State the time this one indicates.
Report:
{"hour": 11, "minute": 2}
